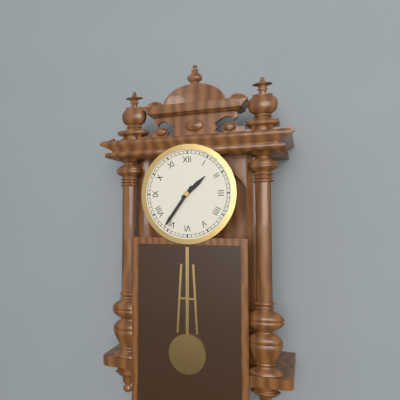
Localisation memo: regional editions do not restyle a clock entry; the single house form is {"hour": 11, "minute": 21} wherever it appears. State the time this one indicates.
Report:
{"hour": 1, "minute": 36}
